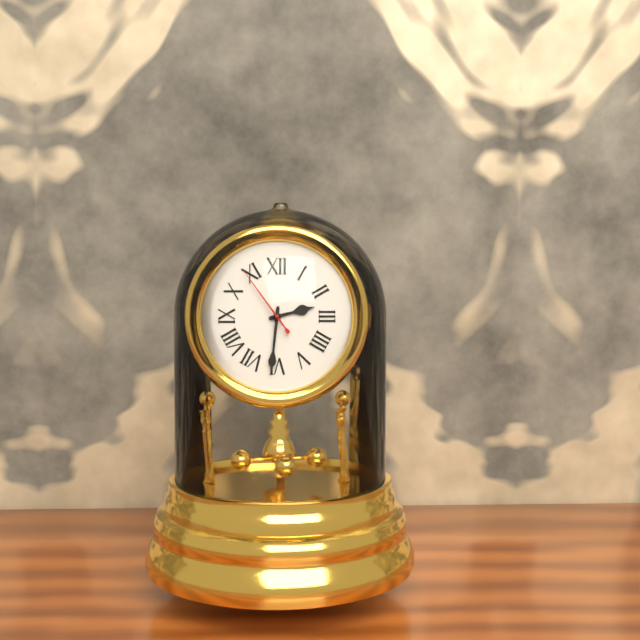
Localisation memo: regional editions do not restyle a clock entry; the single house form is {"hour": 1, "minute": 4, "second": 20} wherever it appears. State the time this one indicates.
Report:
{"hour": 2, "minute": 31, "second": 54}
